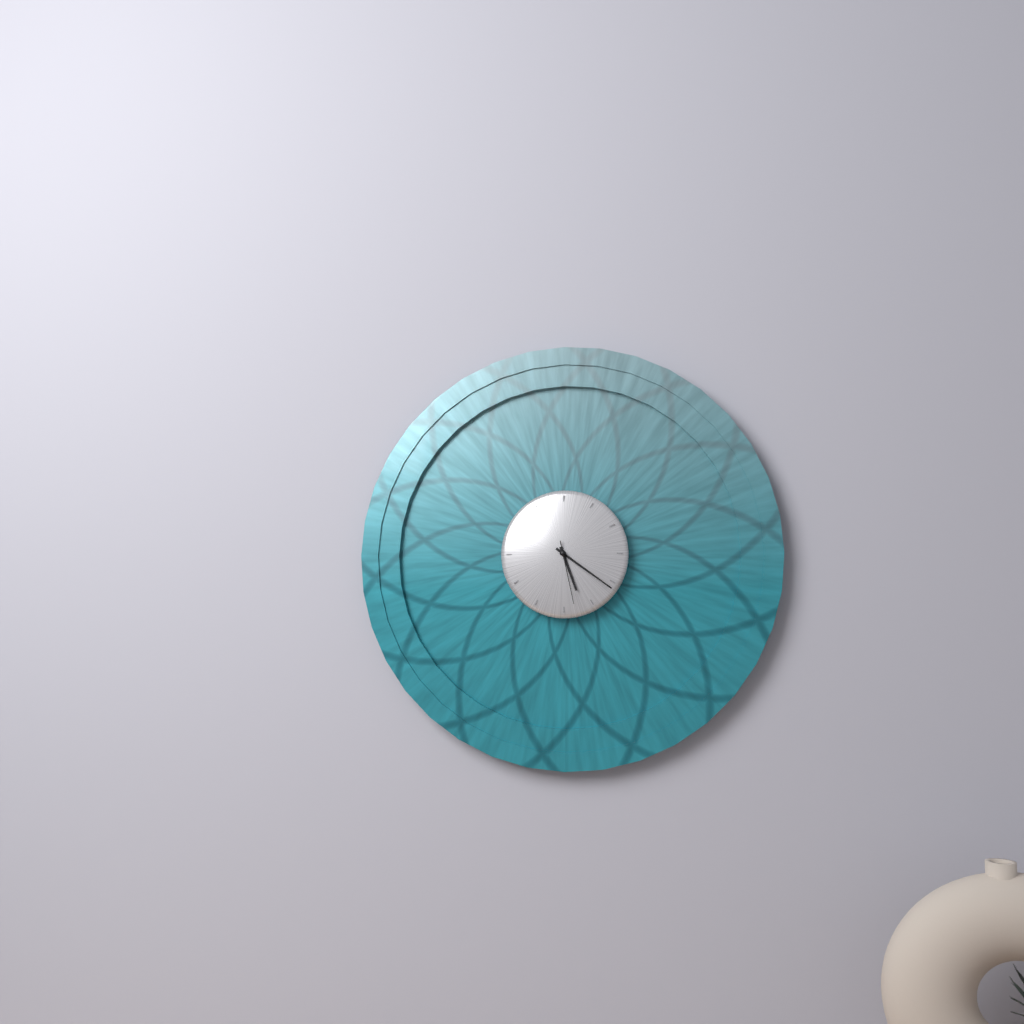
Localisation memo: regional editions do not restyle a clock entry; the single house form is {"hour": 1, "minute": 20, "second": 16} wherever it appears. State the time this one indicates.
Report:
{"hour": 5, "minute": 21, "second": 28}
